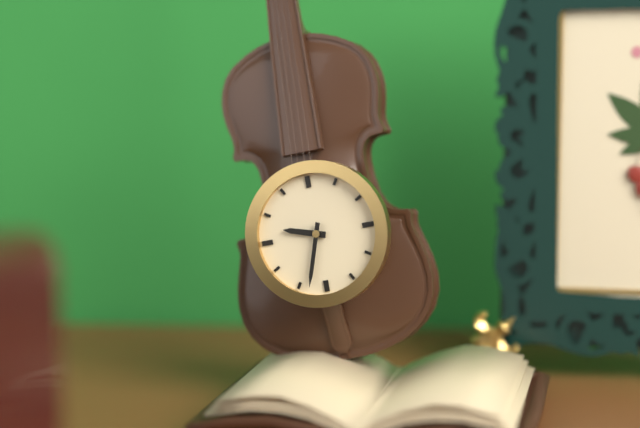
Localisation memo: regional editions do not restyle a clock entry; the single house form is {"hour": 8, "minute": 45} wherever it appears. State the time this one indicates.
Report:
{"hour": 9, "minute": 33}
